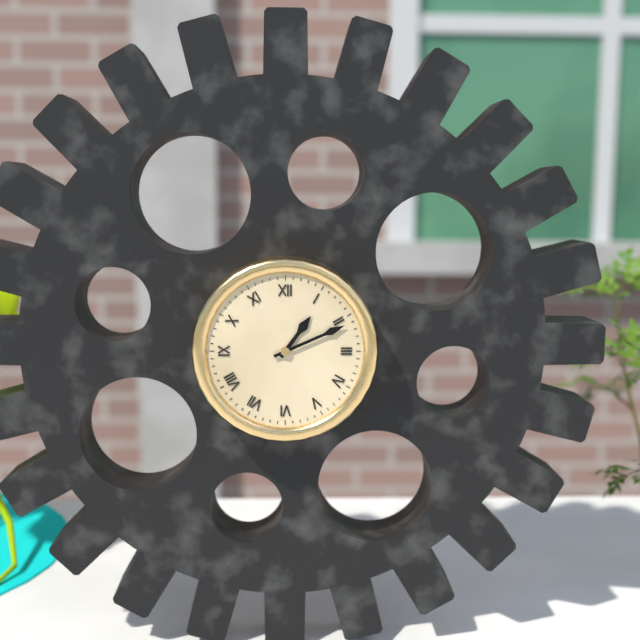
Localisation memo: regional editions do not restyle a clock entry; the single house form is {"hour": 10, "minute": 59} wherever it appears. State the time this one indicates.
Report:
{"hour": 1, "minute": 11}
